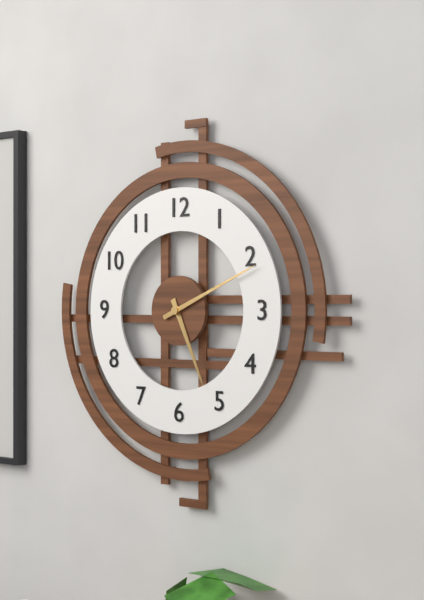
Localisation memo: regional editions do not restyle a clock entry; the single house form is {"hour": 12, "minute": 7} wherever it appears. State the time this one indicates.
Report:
{"hour": 5, "minute": 11}
